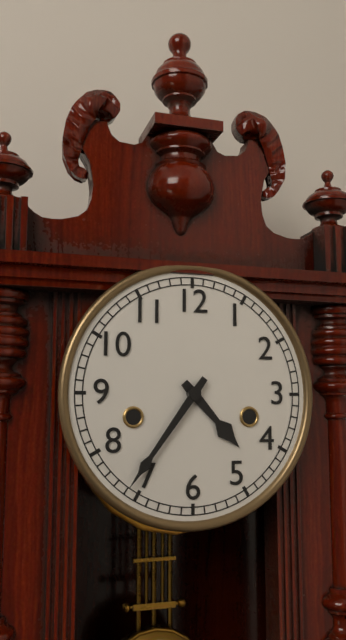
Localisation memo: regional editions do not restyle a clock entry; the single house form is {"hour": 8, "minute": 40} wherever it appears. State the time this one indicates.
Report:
{"hour": 4, "minute": 36}
